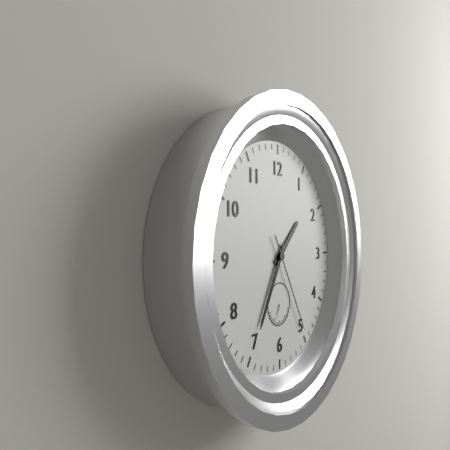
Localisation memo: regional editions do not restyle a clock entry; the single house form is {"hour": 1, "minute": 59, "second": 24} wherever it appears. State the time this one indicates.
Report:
{"hour": 1, "minute": 35, "second": 25}
